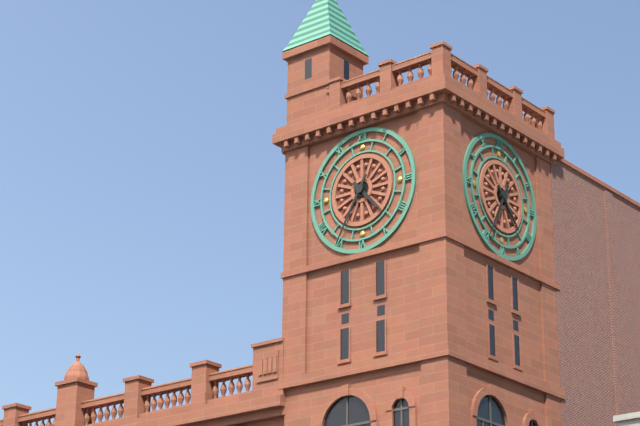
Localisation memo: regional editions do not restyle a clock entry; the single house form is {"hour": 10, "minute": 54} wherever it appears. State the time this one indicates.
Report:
{"hour": 4, "minute": 35}
